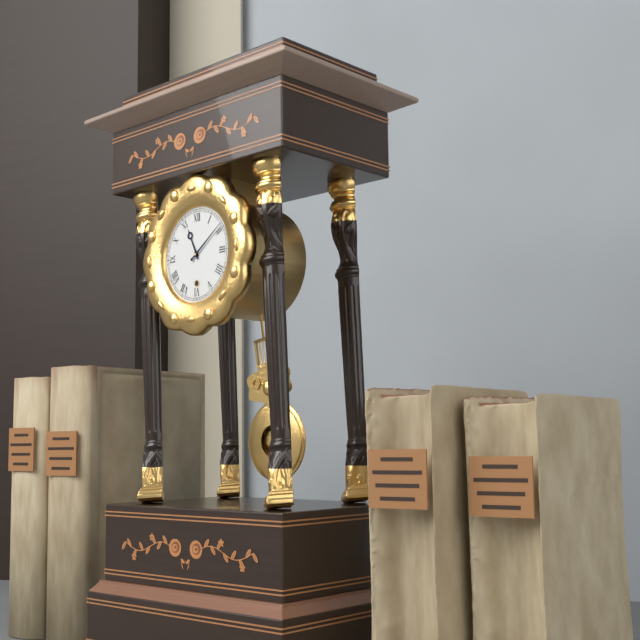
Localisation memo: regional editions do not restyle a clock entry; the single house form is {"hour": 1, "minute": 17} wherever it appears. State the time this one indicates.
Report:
{"hour": 11, "minute": 9}
